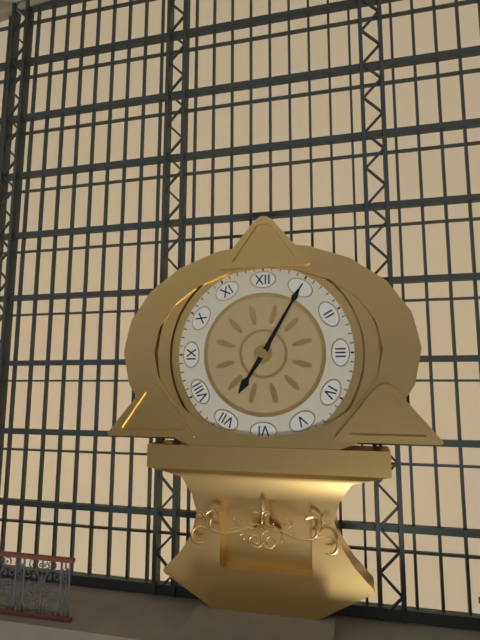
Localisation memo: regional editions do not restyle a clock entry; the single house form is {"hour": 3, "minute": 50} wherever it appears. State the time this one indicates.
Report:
{"hour": 7, "minute": 5}
